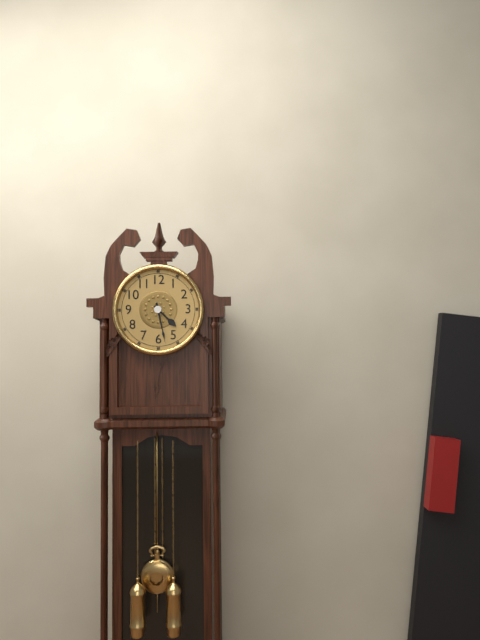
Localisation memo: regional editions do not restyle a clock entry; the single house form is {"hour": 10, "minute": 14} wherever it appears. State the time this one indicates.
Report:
{"hour": 4, "minute": 28}
